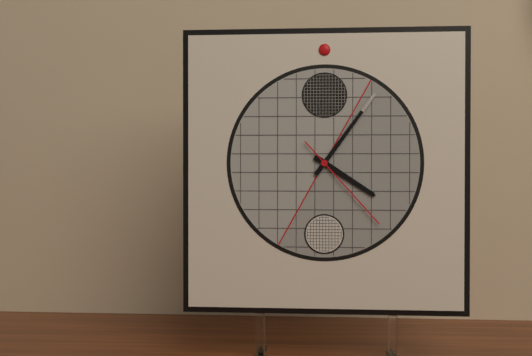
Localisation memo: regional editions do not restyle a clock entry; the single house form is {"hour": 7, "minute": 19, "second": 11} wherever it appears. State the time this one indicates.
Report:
{"hour": 4, "minute": 6, "second": 23}
